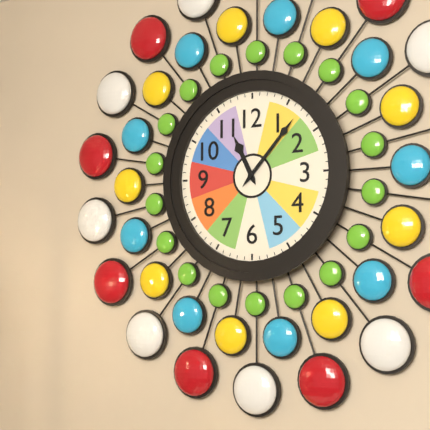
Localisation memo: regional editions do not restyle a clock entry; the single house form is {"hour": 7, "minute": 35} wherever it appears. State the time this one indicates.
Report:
{"hour": 11, "minute": 7}
